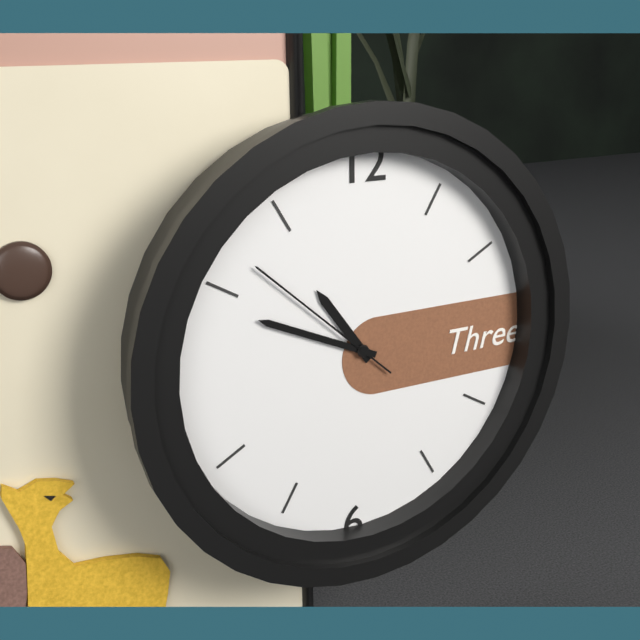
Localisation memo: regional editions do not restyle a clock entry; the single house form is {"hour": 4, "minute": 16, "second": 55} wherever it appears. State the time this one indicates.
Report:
{"hour": 10, "minute": 49, "second": 52}
